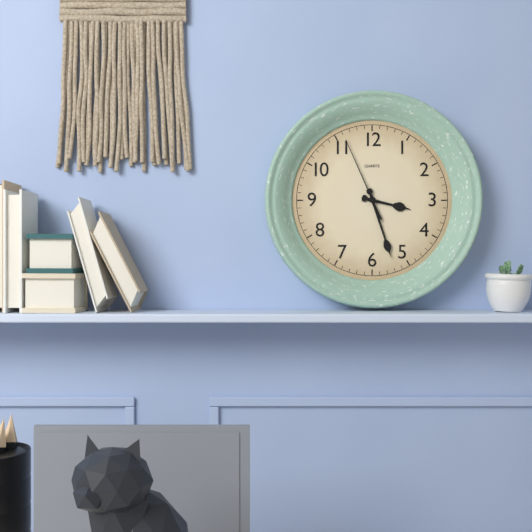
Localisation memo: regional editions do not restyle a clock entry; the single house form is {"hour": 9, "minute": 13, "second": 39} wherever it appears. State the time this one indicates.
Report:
{"hour": 3, "minute": 27, "second": 56}
